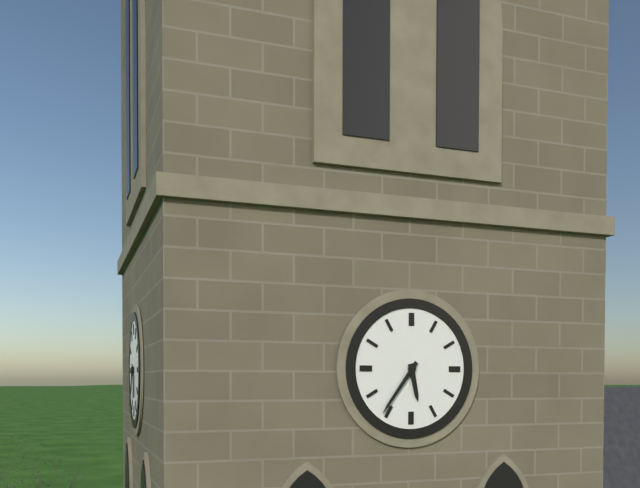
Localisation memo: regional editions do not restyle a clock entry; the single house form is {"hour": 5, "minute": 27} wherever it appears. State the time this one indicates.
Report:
{"hour": 5, "minute": 36}
